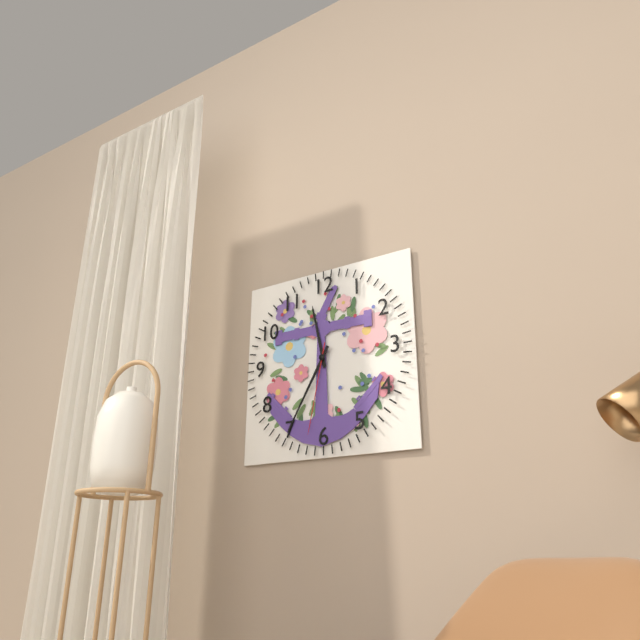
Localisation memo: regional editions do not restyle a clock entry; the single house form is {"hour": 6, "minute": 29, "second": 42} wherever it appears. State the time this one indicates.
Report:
{"hour": 11, "minute": 35, "second": 32}
